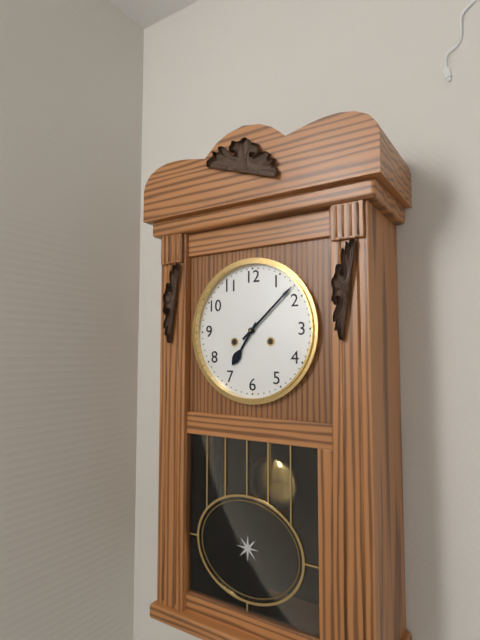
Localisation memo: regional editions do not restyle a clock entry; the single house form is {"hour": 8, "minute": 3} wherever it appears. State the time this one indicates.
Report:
{"hour": 7, "minute": 8}
